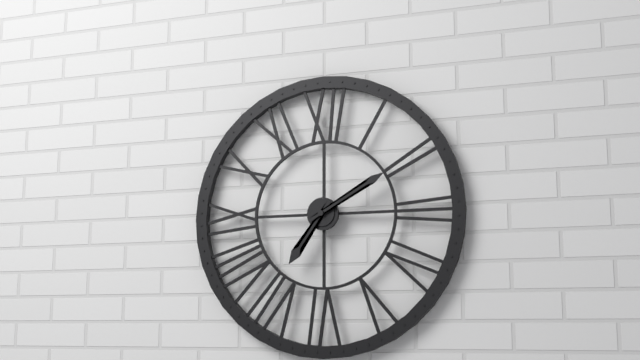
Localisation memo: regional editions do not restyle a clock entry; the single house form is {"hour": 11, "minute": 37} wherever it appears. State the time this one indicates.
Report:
{"hour": 7, "minute": 10}
